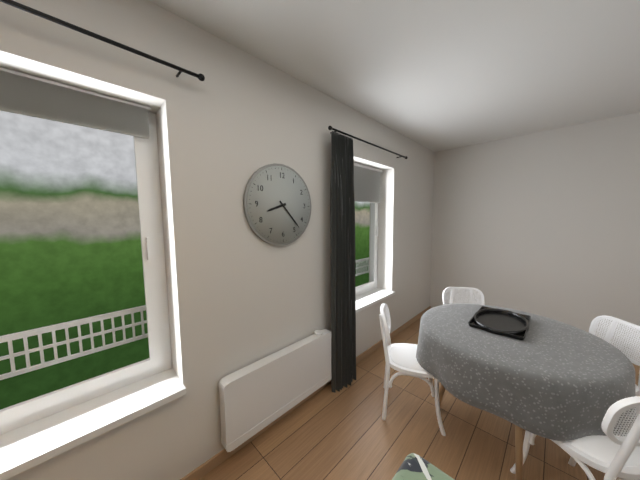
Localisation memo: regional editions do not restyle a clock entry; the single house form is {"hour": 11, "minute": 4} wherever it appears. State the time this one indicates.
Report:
{"hour": 8, "minute": 23}
